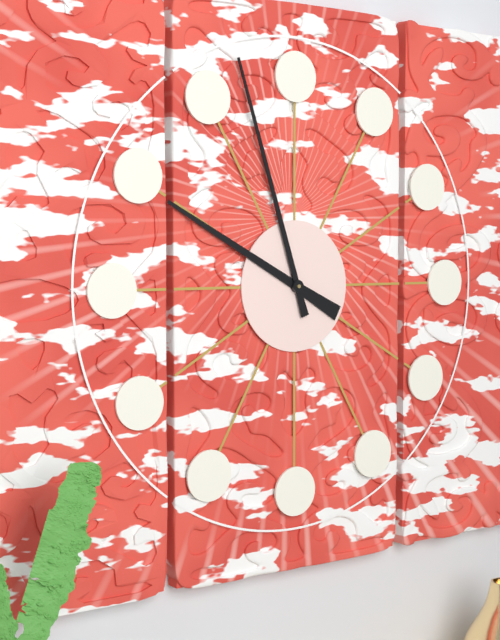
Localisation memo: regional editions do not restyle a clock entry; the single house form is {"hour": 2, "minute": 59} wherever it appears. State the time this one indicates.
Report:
{"hour": 9, "minute": 57}
